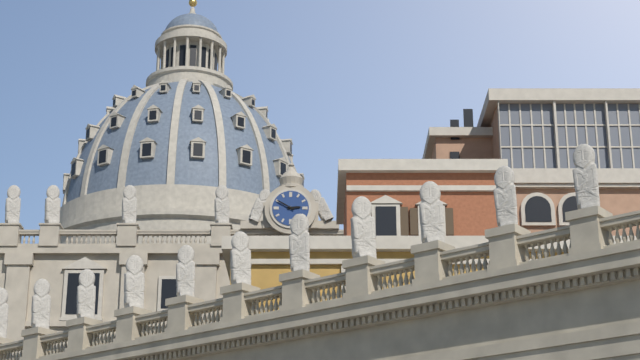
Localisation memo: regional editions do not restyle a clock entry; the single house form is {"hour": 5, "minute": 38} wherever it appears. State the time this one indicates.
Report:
{"hour": 2, "minute": 50}
